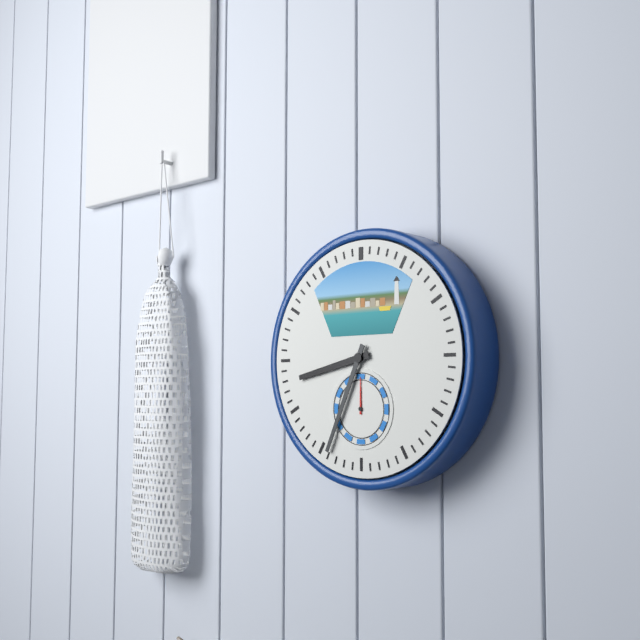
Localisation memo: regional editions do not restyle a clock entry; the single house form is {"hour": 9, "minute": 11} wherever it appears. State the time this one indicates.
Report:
{"hour": 8, "minute": 34}
